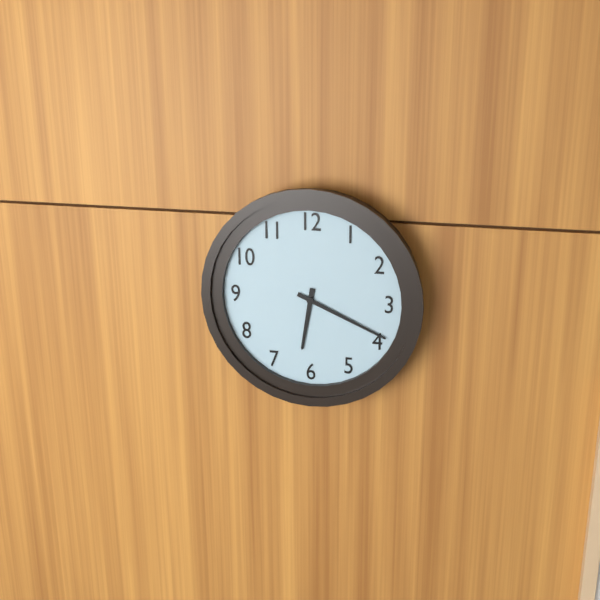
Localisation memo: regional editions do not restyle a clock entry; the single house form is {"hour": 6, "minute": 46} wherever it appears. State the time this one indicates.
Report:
{"hour": 6, "minute": 19}
